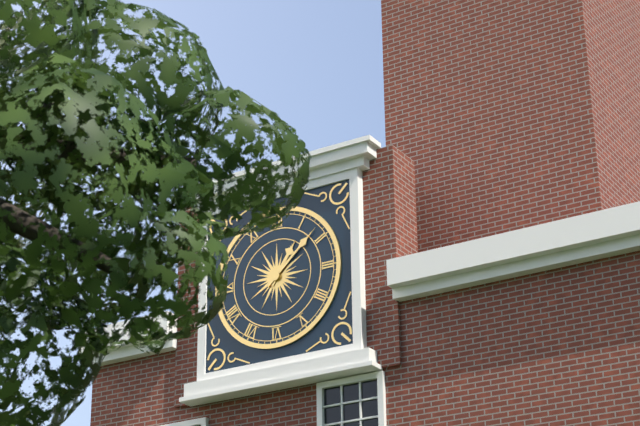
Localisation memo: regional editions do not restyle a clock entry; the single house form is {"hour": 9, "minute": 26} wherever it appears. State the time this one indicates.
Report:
{"hour": 1, "minute": 8}
